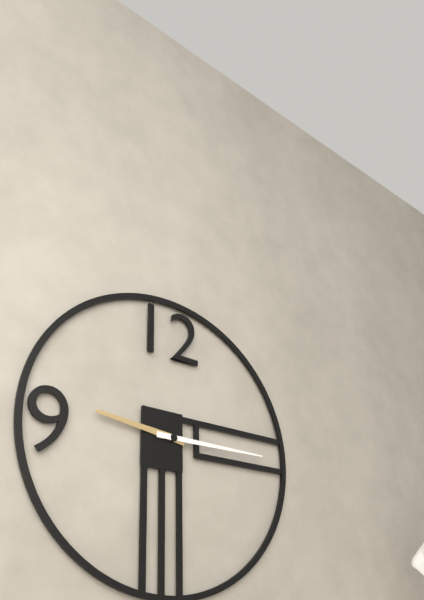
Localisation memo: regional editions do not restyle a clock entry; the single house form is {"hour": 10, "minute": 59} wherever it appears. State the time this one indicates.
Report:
{"hour": 9, "minute": 15}
